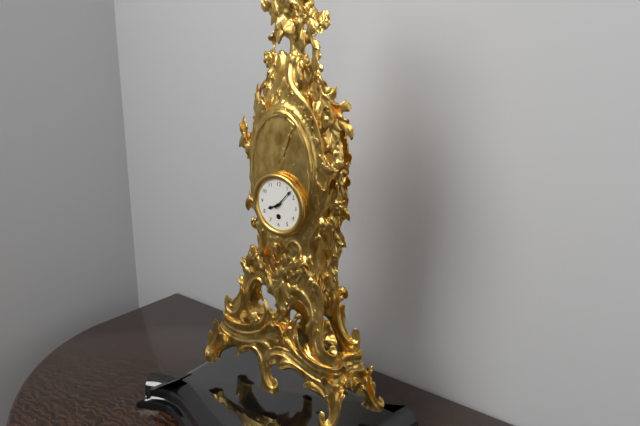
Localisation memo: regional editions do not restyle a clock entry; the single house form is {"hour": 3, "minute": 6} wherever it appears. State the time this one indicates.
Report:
{"hour": 8, "minute": 7}
